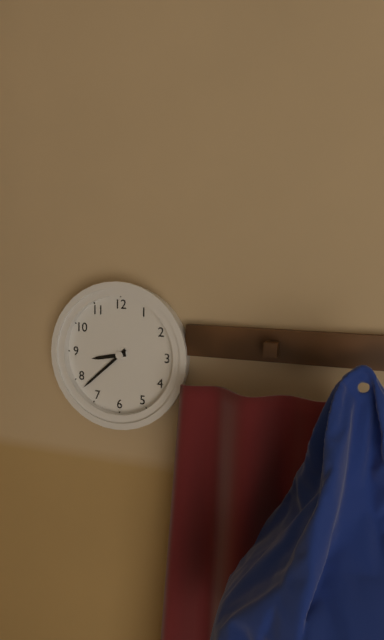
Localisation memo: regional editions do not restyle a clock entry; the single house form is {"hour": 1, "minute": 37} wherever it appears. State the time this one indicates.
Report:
{"hour": 8, "minute": 38}
